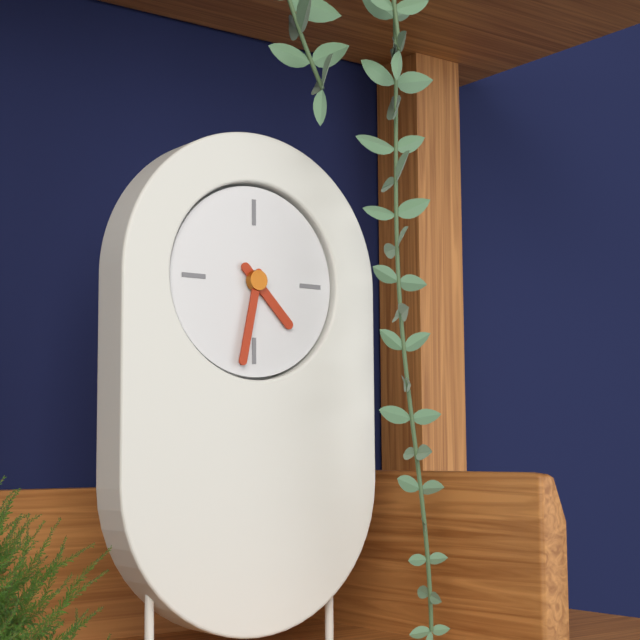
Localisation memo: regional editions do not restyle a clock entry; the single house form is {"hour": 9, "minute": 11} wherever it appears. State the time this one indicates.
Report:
{"hour": 4, "minute": 32}
